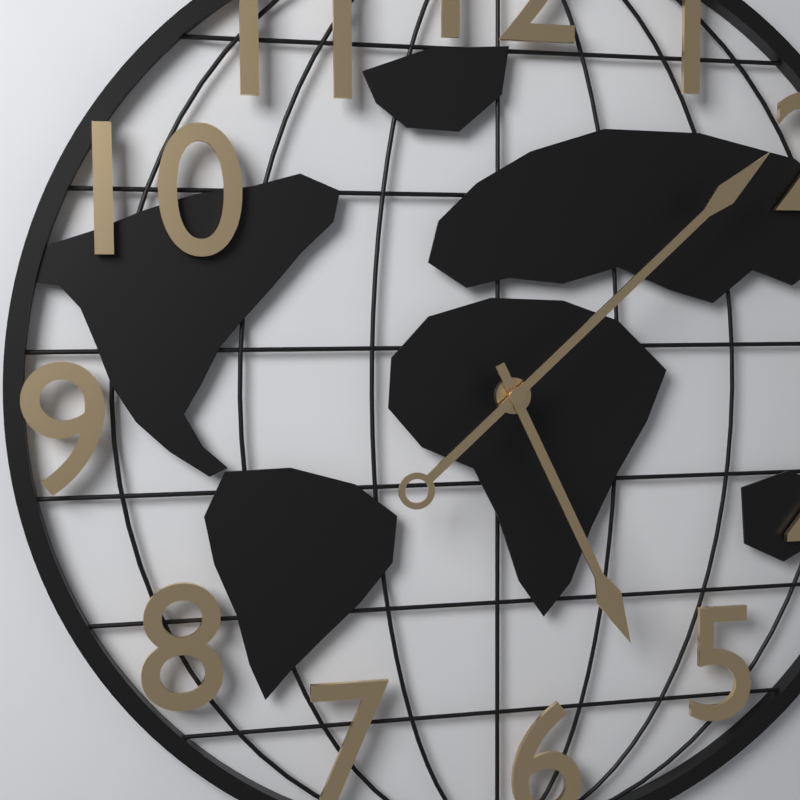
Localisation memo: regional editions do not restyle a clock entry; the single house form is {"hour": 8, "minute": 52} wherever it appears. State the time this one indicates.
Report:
{"hour": 5, "minute": 8}
